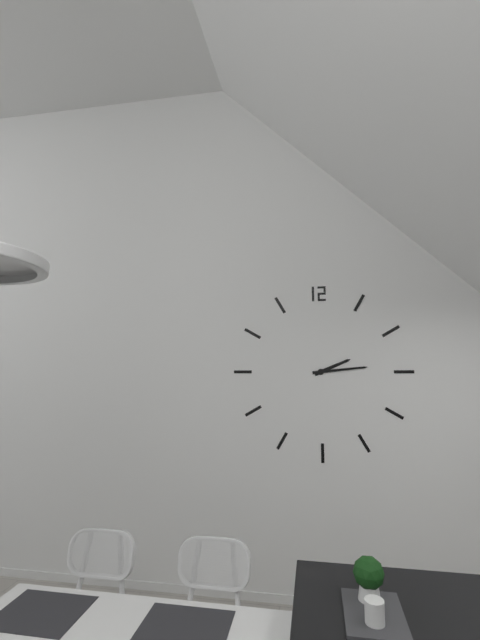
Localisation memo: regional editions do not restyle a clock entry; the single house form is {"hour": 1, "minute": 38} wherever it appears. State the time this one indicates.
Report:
{"hour": 2, "minute": 14}
